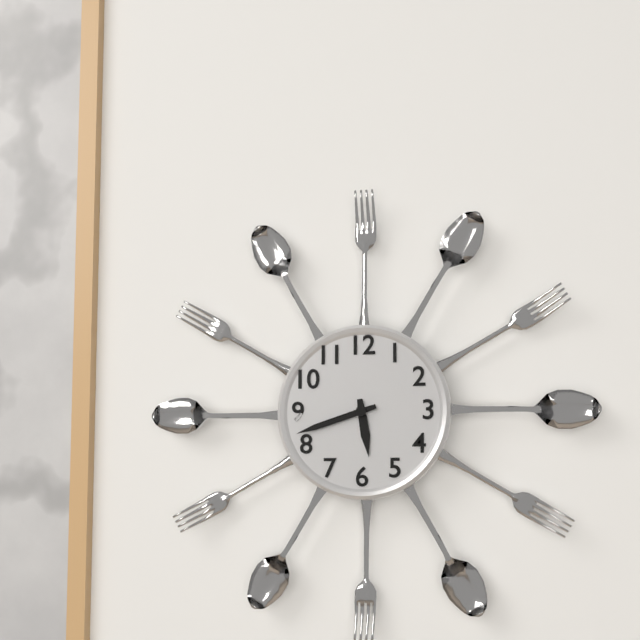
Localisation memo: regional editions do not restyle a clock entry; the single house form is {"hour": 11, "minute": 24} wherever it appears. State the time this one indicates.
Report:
{"hour": 5, "minute": 42}
